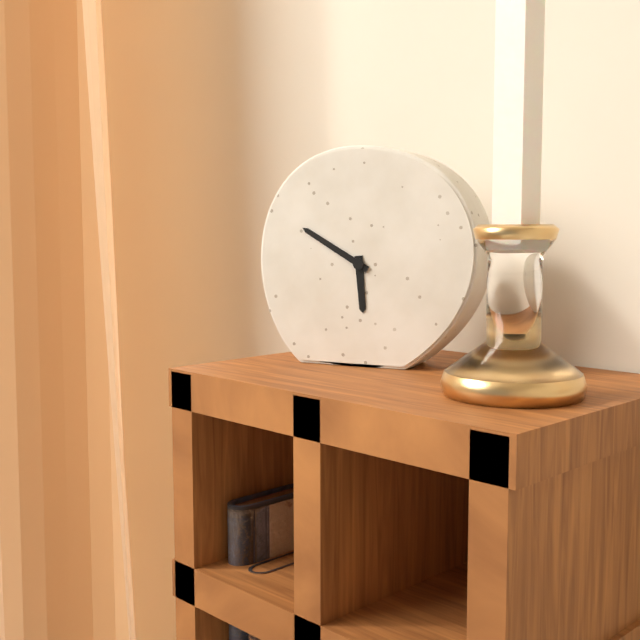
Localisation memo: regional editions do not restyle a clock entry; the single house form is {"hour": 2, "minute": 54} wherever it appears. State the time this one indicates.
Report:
{"hour": 5, "minute": 50}
